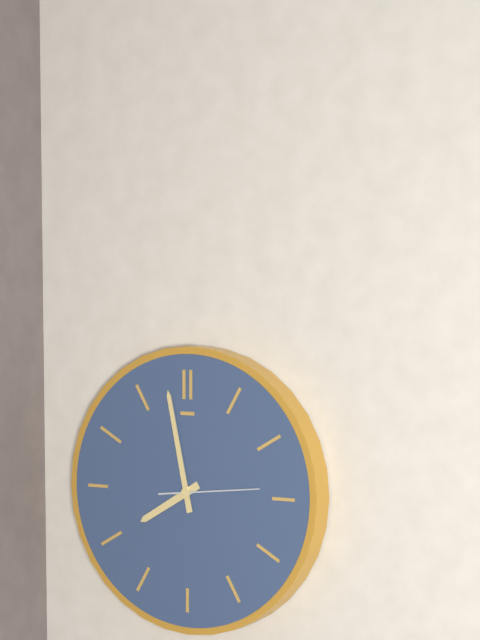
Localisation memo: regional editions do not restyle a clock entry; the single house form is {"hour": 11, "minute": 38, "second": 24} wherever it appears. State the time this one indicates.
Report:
{"hour": 7, "minute": 58, "second": 14}
